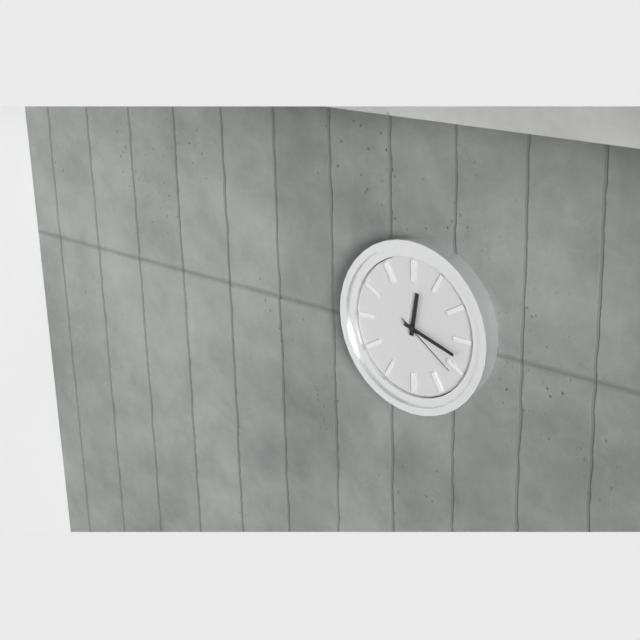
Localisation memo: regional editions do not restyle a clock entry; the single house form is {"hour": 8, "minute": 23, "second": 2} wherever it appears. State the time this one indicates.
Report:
{"hour": 12, "minute": 18, "second": 21}
